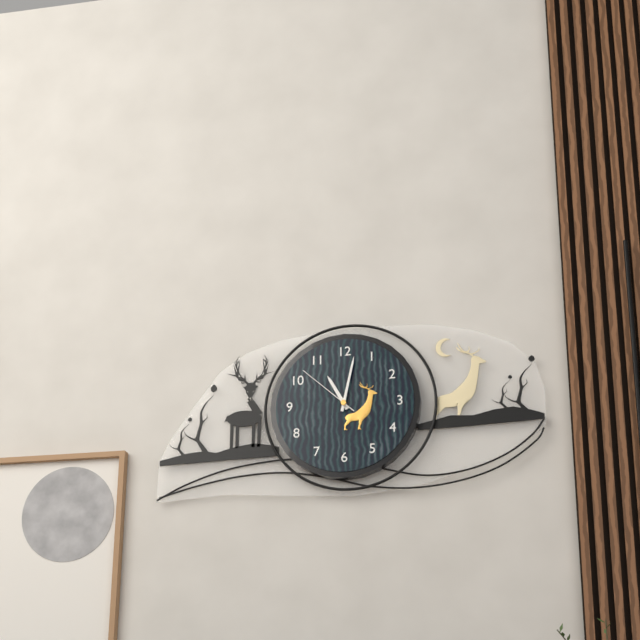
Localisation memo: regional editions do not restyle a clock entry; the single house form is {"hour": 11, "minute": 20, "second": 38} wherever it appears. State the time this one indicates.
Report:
{"hour": 11, "minute": 2, "second": 52}
